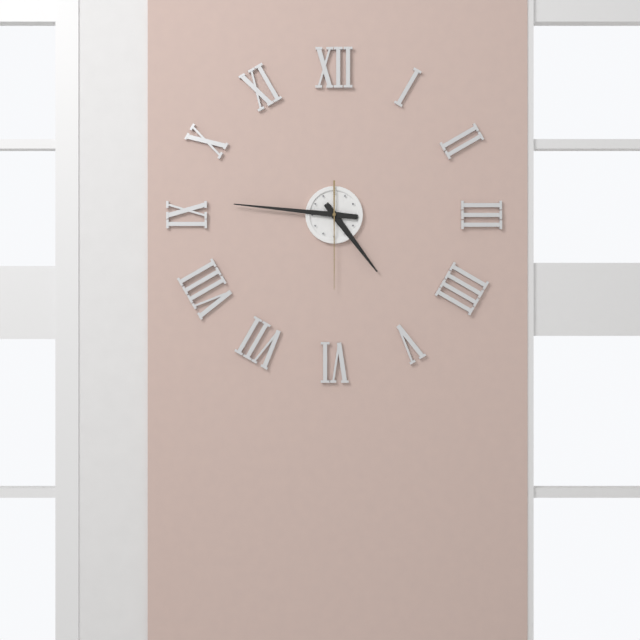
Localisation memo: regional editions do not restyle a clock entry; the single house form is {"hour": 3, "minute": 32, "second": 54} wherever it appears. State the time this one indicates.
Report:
{"hour": 4, "minute": 46, "second": 30}
